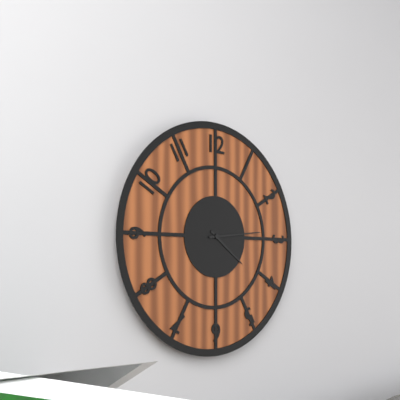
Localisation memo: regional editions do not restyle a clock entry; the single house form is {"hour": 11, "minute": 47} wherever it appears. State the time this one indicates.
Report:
{"hour": 4, "minute": 14}
